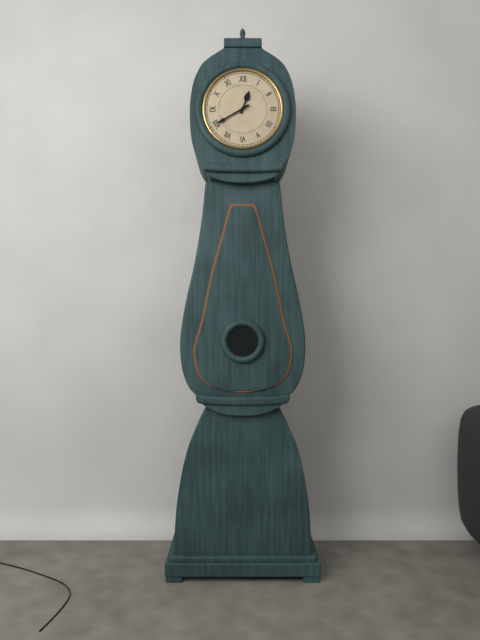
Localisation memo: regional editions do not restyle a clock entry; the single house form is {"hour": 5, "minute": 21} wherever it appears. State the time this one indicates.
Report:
{"hour": 12, "minute": 40}
